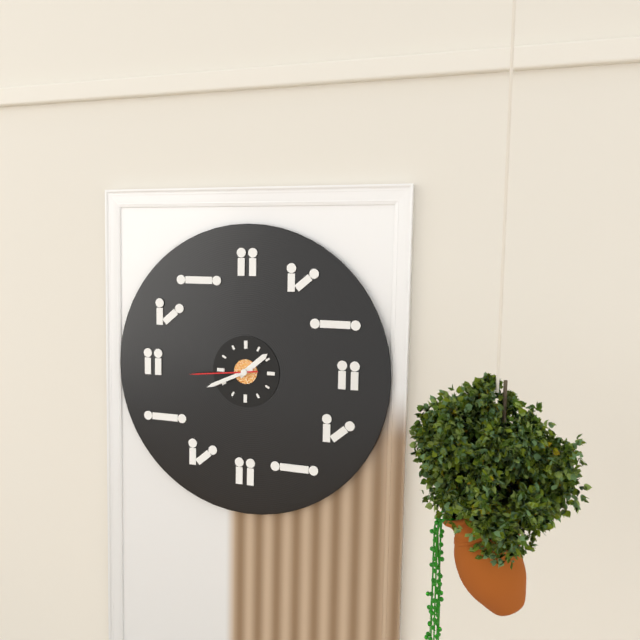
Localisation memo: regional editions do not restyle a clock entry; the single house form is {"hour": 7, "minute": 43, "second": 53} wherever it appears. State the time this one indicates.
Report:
{"hour": 1, "minute": 41, "second": 44}
